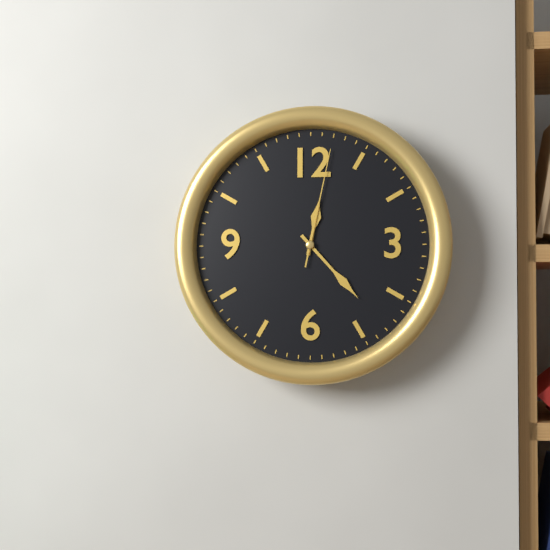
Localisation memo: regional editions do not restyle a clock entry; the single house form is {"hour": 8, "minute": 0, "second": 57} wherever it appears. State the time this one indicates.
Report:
{"hour": 12, "minute": 23, "second": 2}
